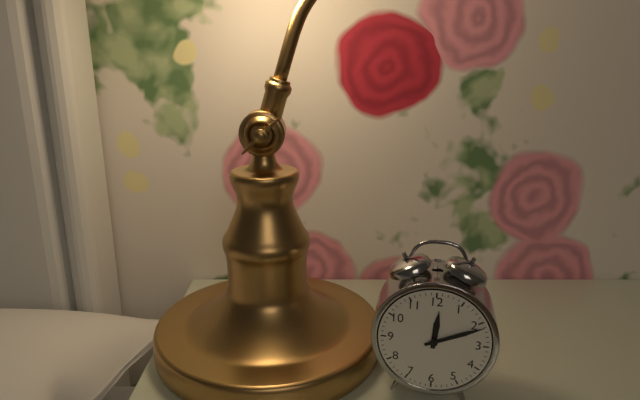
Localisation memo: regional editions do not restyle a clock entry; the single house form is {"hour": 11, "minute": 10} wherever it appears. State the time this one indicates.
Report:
{"hour": 12, "minute": 11}
